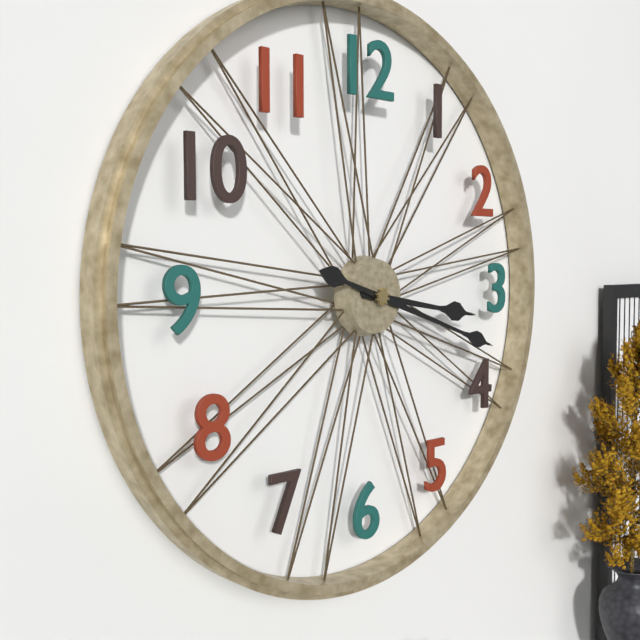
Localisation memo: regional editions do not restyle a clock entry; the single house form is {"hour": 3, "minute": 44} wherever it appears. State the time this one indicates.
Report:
{"hour": 3, "minute": 18}
